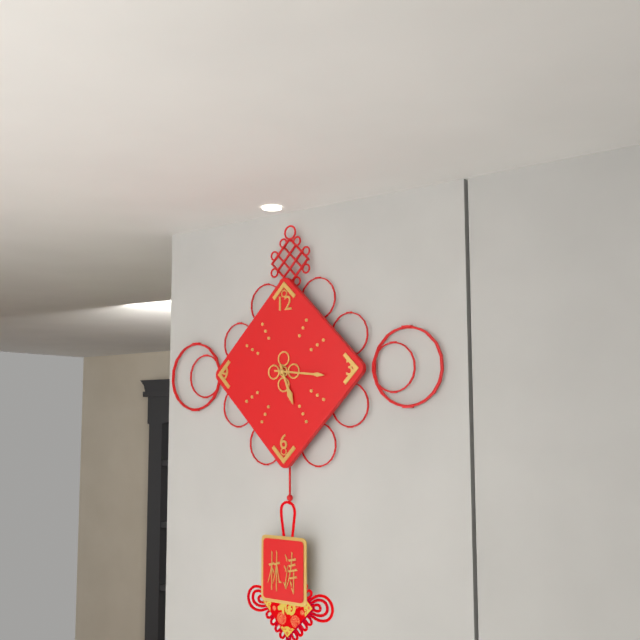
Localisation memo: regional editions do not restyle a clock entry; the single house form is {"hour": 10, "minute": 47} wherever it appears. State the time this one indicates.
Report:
{"hour": 5, "minute": 16}
